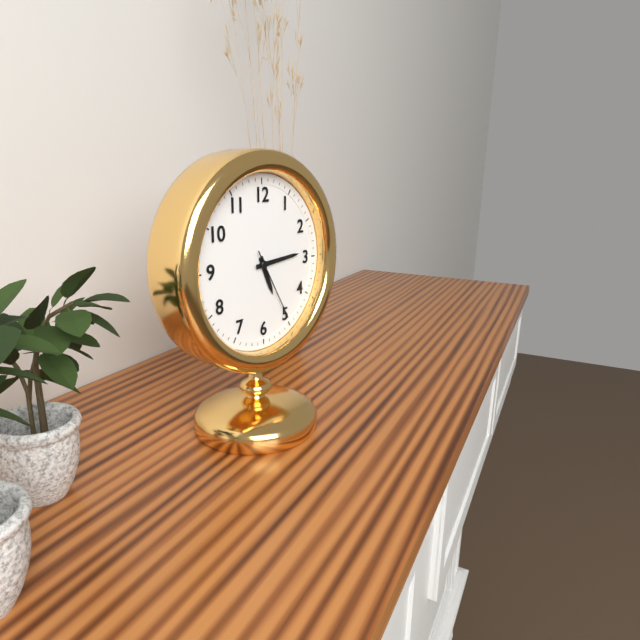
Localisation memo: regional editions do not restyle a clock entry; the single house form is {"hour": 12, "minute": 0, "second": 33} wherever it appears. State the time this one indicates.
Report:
{"hour": 5, "minute": 14, "second": 25}
